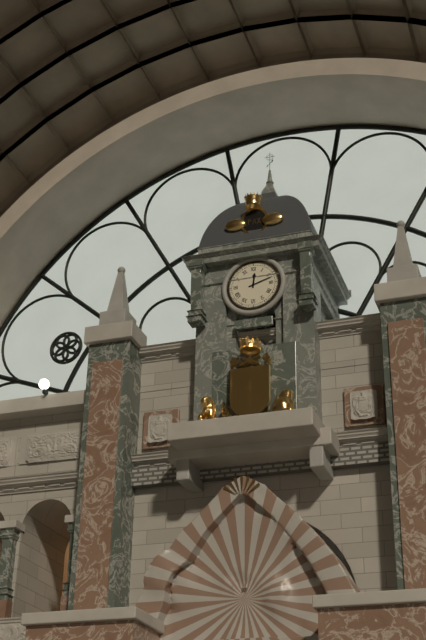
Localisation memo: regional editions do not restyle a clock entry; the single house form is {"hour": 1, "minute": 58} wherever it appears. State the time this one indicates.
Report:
{"hour": 12, "minute": 12}
